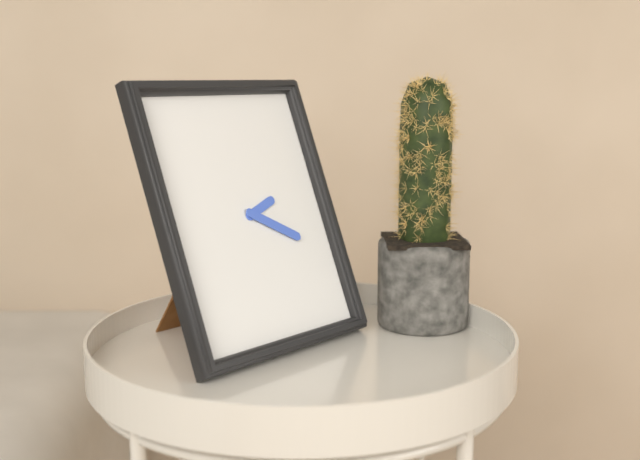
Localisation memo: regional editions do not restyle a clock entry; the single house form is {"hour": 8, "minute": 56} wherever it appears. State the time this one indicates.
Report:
{"hour": 2, "minute": 20}
